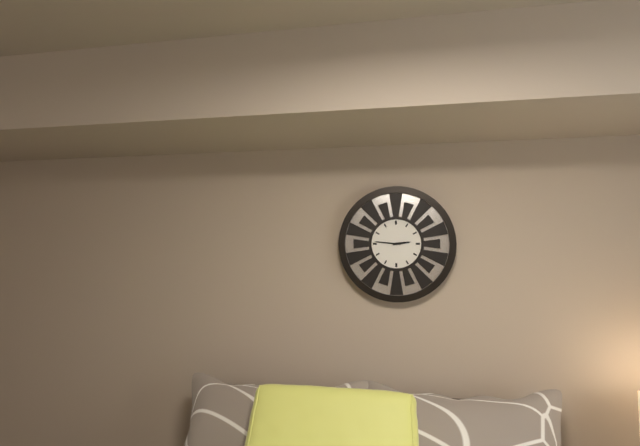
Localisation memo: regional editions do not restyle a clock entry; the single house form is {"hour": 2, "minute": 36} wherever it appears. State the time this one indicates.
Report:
{"hour": 2, "minute": 46}
